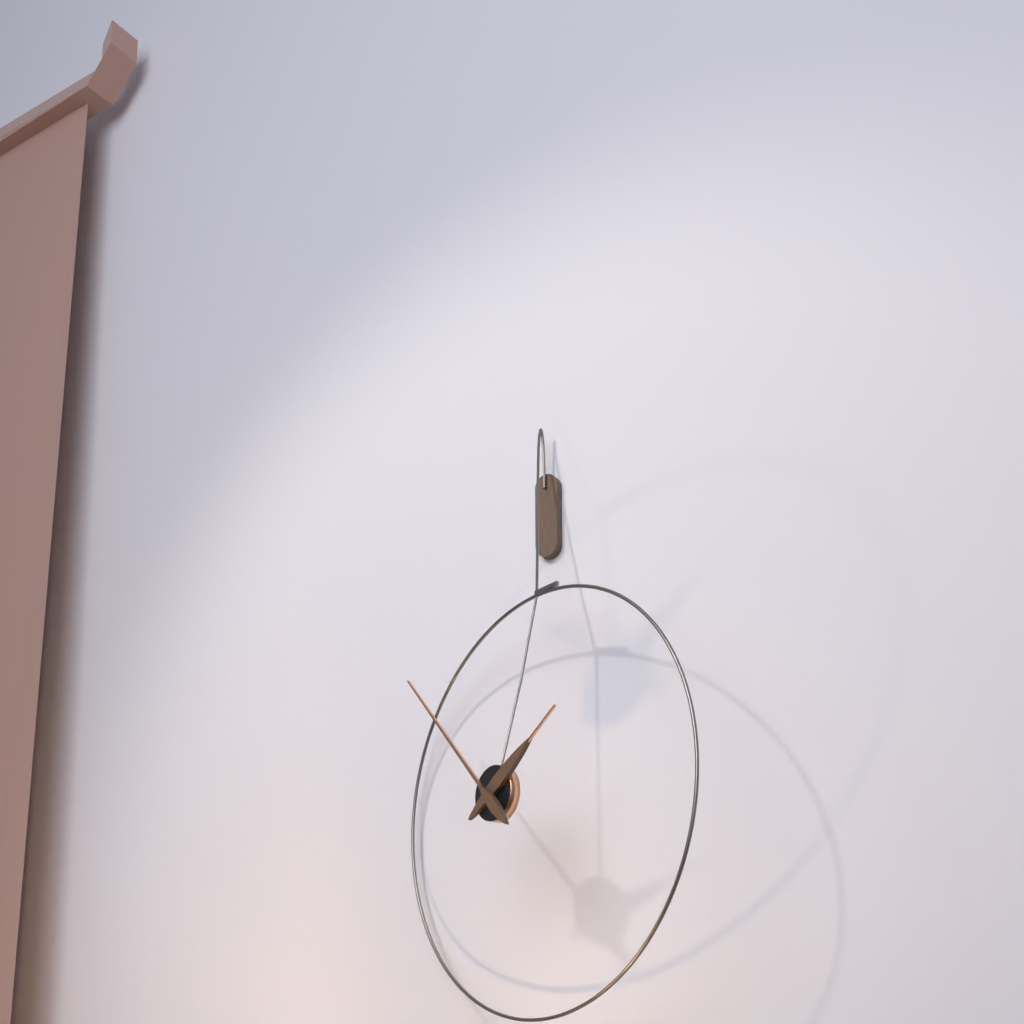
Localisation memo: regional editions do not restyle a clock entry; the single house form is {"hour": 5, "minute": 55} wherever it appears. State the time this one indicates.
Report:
{"hour": 1, "minute": 53}
